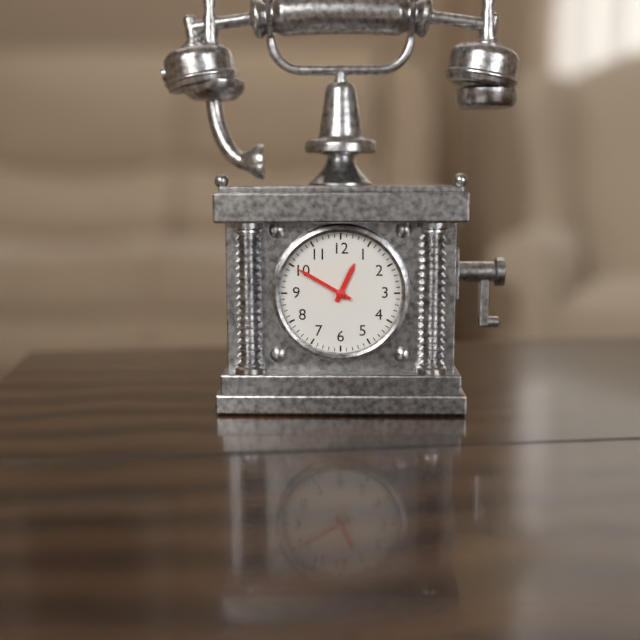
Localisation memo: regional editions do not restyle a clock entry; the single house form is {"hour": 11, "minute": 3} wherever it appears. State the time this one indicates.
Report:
{"hour": 12, "minute": 50}
